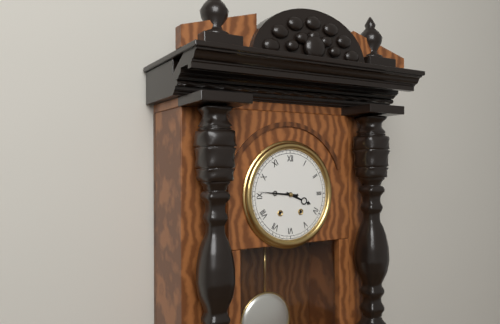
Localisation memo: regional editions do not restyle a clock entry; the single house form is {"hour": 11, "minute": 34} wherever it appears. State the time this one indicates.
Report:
{"hour": 3, "minute": 46}
